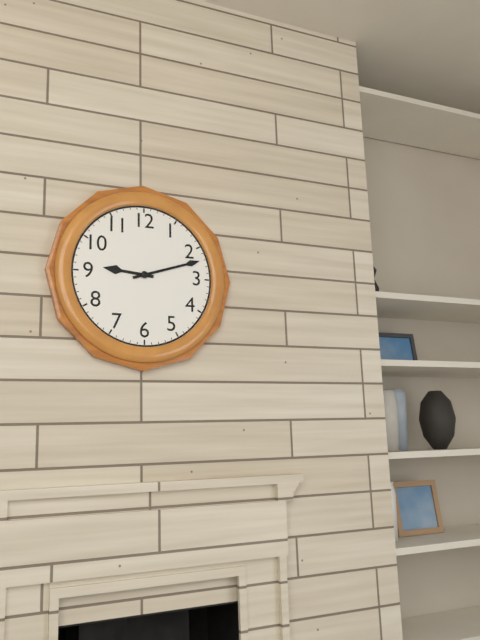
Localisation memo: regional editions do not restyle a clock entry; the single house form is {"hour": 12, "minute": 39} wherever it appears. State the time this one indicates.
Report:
{"hour": 9, "minute": 12}
